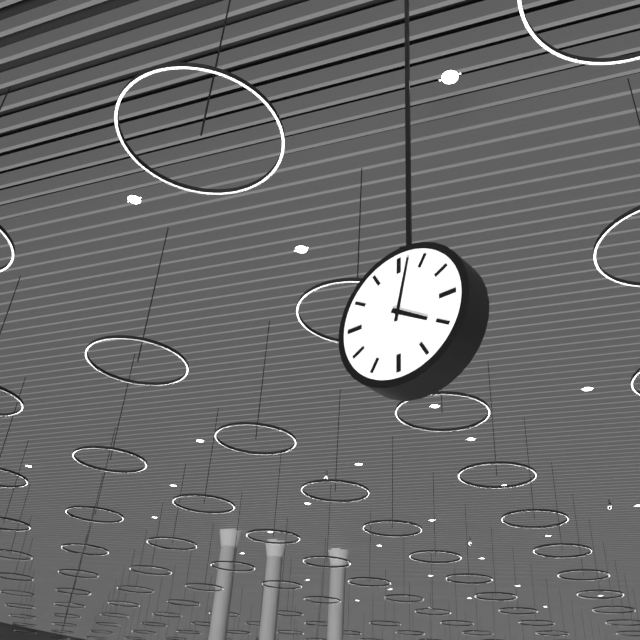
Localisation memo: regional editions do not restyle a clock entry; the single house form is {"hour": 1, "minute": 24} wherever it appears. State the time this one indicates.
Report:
{"hour": 4, "minute": 2}
